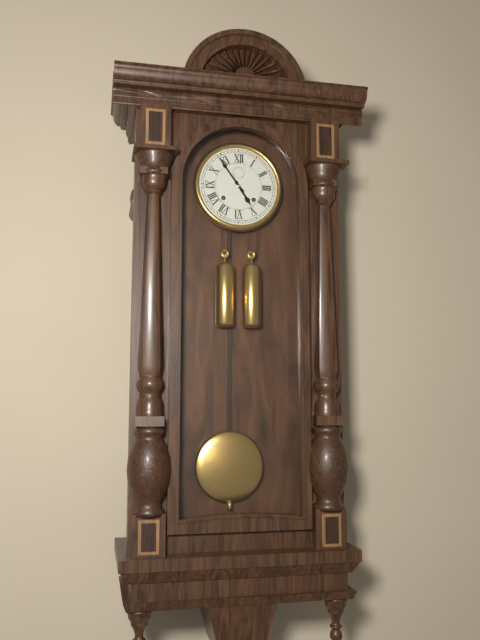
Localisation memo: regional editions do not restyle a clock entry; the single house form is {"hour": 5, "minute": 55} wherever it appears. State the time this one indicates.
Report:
{"hour": 4, "minute": 54}
